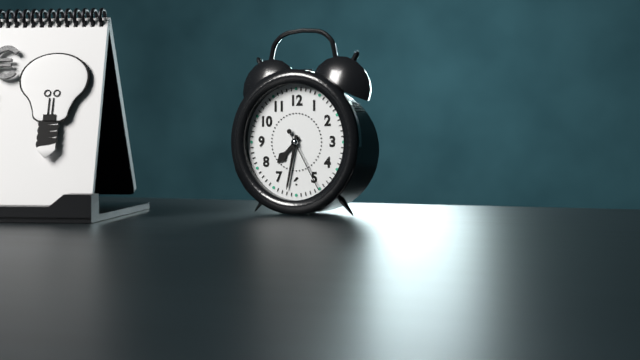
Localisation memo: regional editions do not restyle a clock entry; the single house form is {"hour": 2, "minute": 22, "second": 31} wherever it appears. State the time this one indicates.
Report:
{"hour": 7, "minute": 32, "second": 25}
